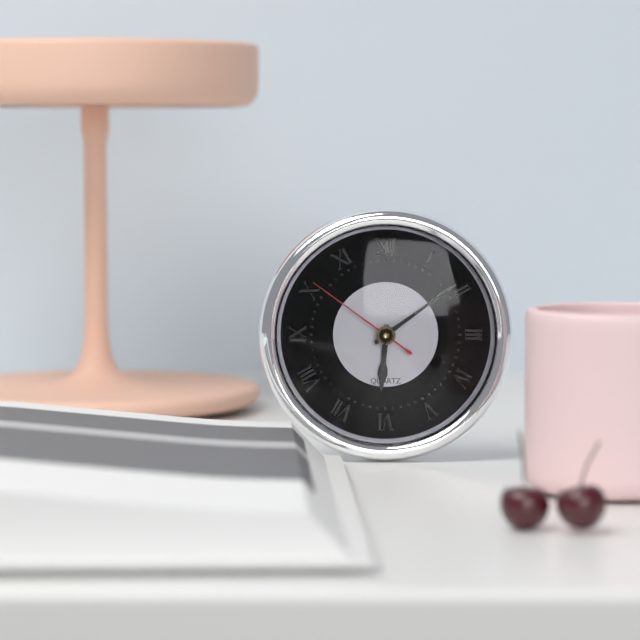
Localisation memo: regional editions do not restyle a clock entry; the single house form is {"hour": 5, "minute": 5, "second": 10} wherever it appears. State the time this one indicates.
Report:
{"hour": 6, "minute": 9, "second": 51}
